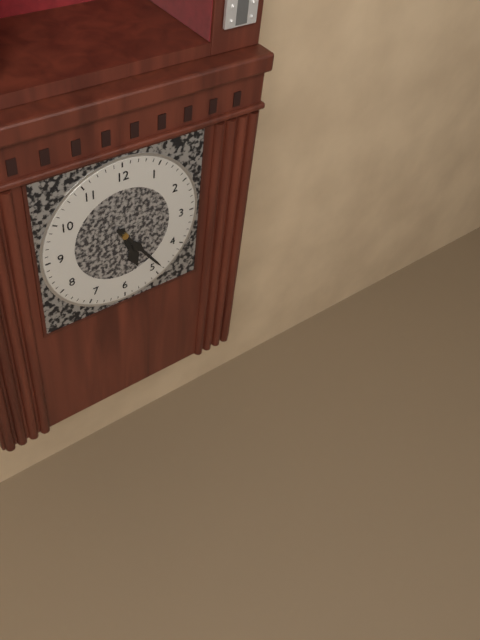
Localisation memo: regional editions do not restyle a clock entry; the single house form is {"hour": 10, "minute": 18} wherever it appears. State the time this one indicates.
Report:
{"hour": 5, "minute": 24}
